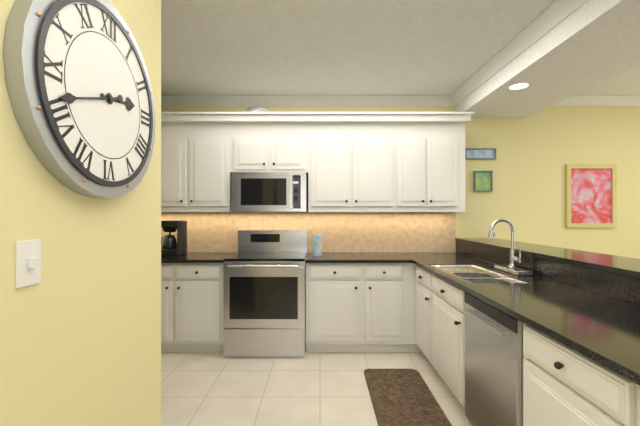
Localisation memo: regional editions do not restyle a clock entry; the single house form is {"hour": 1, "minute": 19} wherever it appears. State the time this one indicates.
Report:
{"hour": 2, "minute": 42}
